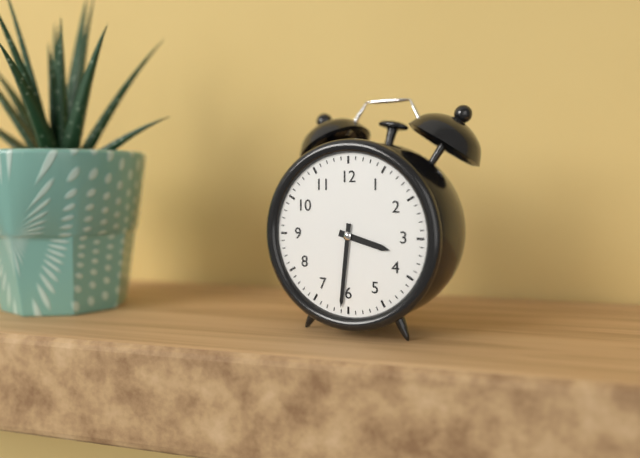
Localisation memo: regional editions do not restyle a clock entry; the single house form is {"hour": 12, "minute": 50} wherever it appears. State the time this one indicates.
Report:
{"hour": 3, "minute": 31}
